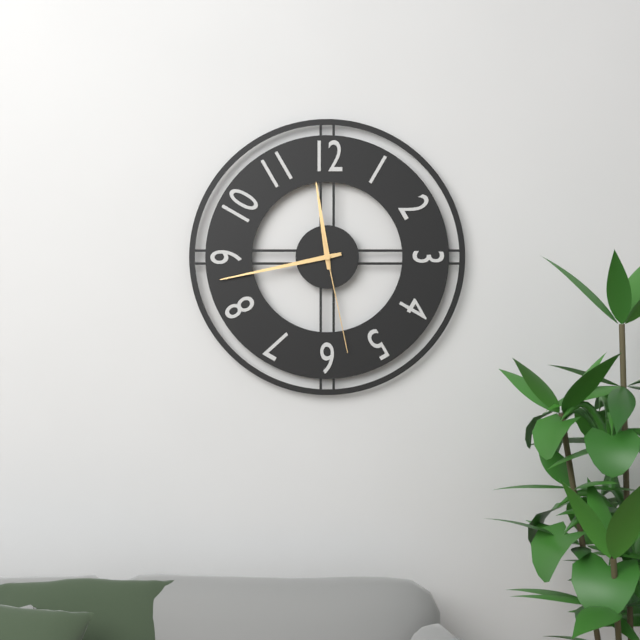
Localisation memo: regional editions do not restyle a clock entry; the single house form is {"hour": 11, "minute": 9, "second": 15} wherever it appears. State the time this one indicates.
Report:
{"hour": 11, "minute": 43, "second": 28}
